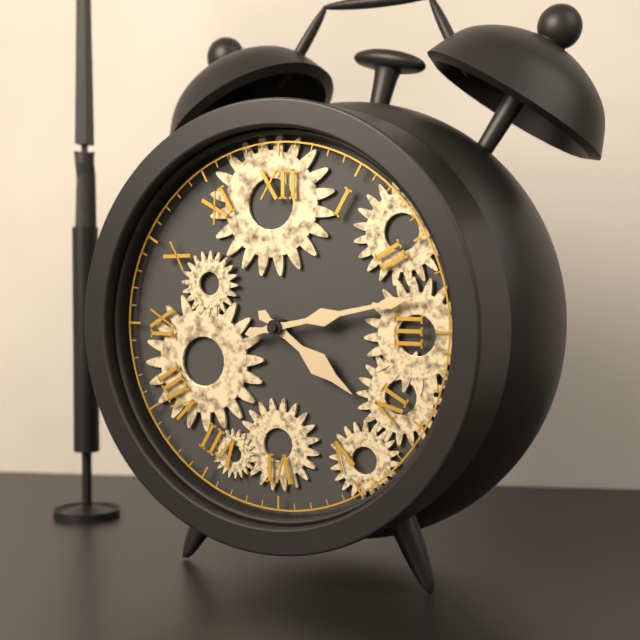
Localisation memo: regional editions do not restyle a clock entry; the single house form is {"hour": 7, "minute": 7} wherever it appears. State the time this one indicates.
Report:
{"hour": 4, "minute": 13}
